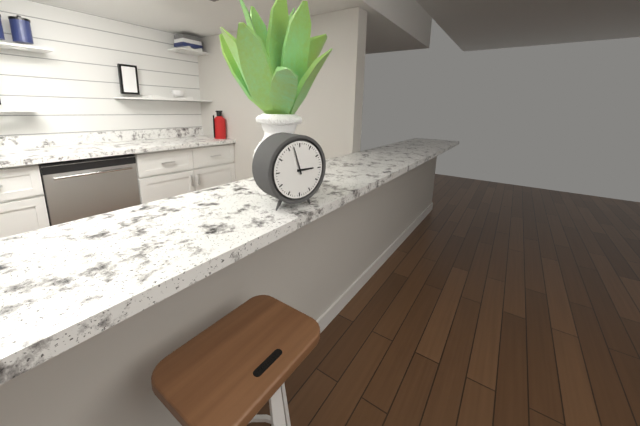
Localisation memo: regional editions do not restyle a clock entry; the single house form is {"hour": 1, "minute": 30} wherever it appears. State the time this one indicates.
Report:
{"hour": 2, "minute": 57}
